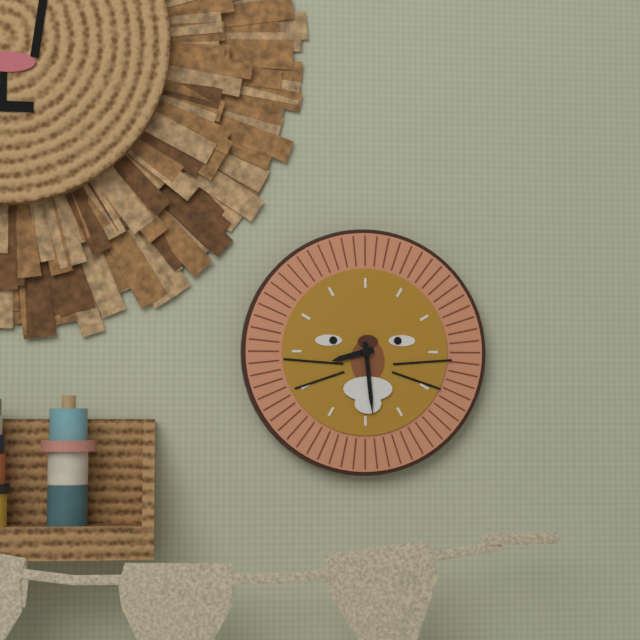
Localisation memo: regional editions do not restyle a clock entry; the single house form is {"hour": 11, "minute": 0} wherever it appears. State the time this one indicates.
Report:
{"hour": 8, "minute": 29}
